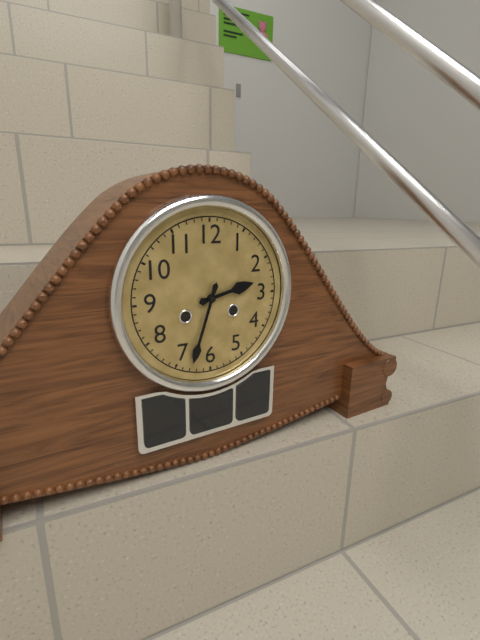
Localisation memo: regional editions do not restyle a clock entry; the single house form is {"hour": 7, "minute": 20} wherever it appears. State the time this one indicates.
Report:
{"hour": 2, "minute": 33}
